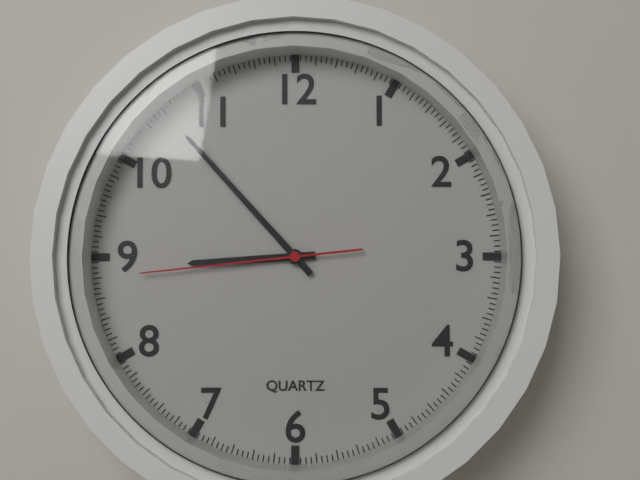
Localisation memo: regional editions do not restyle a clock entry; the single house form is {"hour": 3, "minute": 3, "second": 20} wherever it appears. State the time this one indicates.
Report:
{"hour": 8, "minute": 53, "second": 44}
